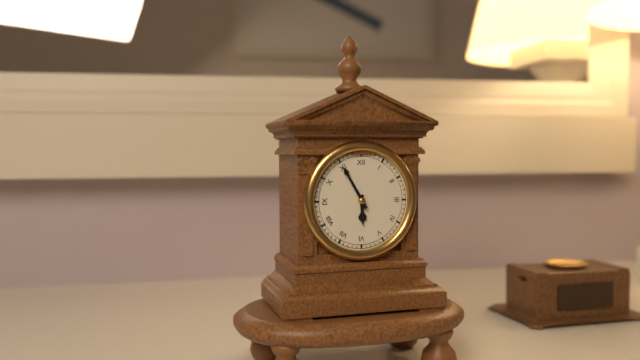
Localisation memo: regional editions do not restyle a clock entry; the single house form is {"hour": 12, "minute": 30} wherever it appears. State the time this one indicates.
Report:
{"hour": 5, "minute": 55}
